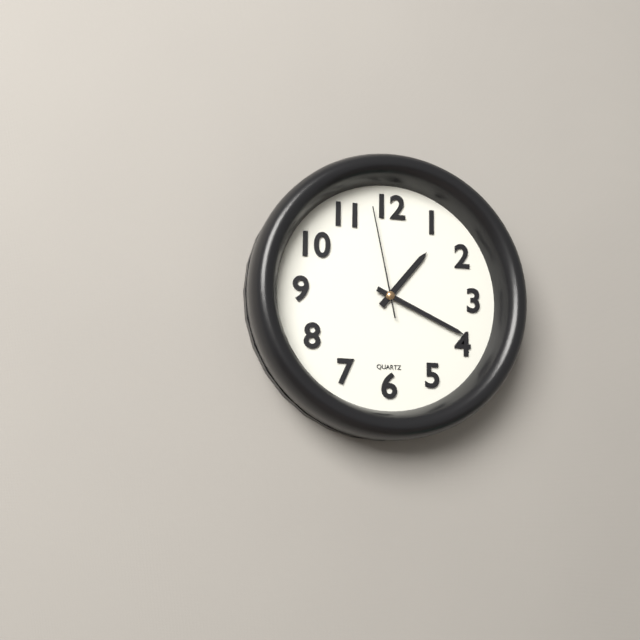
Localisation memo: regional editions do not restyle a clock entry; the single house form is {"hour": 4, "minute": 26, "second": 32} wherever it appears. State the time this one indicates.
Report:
{"hour": 1, "minute": 19, "second": 58}
